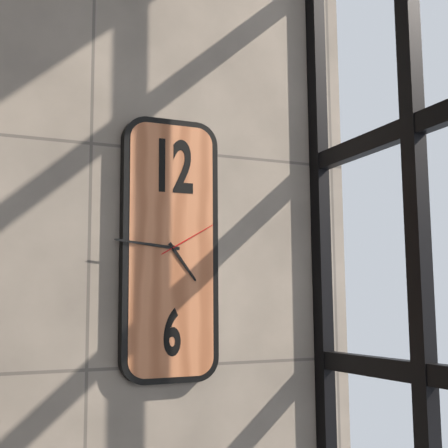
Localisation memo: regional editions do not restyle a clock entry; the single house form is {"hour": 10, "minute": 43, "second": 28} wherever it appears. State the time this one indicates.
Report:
{"hour": 4, "minute": 46, "second": 10}
